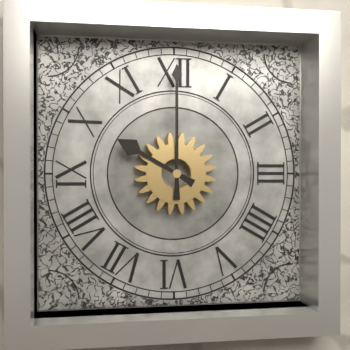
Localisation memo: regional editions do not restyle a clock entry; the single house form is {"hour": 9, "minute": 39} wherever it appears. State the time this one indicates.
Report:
{"hour": 10, "minute": 0}
